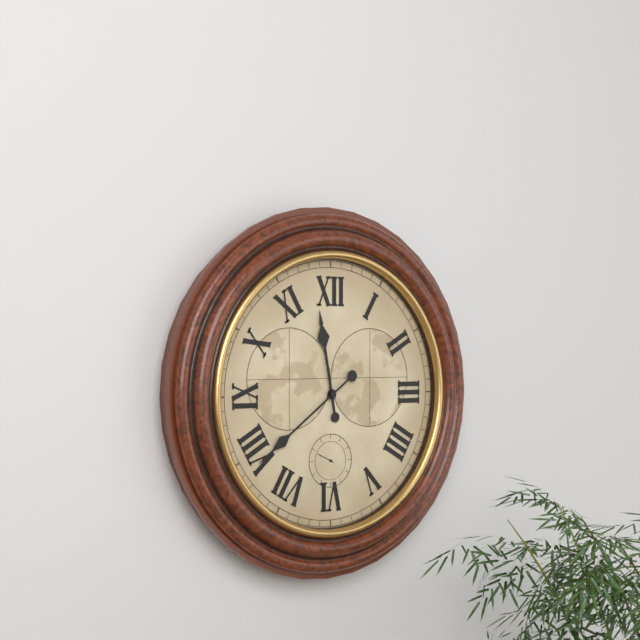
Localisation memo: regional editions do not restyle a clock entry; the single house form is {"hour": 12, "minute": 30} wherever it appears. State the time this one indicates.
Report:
{"hour": 11, "minute": 39}
